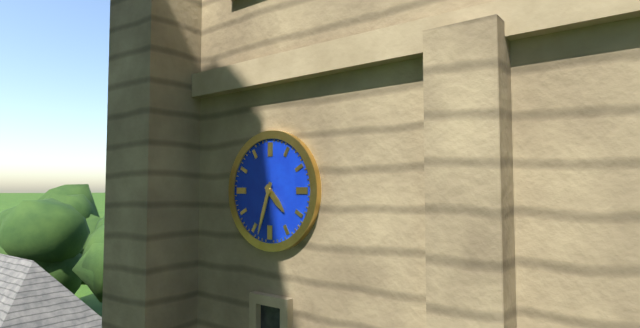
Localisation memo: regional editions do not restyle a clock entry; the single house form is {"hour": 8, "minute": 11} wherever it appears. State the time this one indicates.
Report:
{"hour": 4, "minute": 33}
